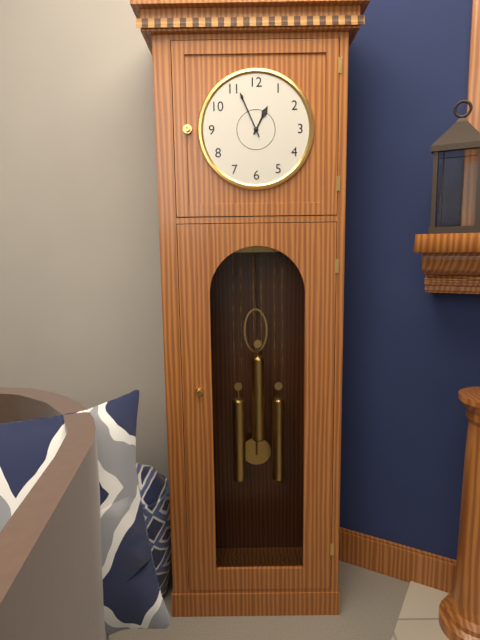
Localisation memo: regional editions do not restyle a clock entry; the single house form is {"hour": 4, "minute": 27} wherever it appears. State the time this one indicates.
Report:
{"hour": 12, "minute": 56}
